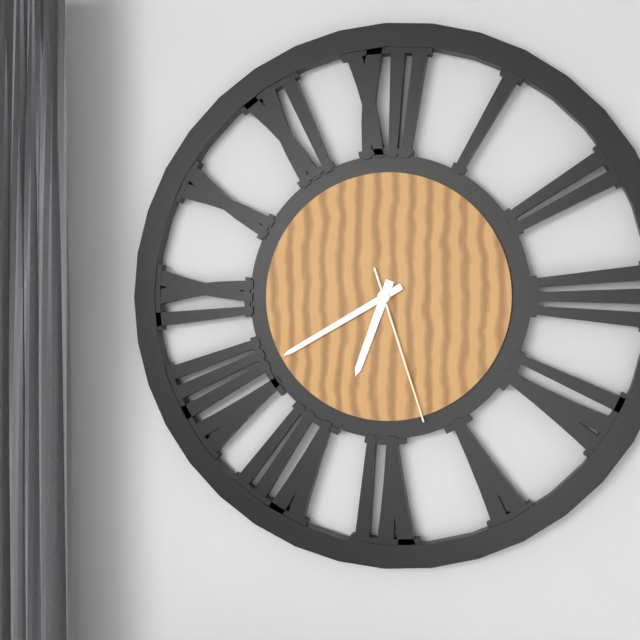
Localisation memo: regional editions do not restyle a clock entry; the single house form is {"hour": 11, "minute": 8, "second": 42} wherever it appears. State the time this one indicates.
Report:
{"hour": 6, "minute": 40, "second": 27}
